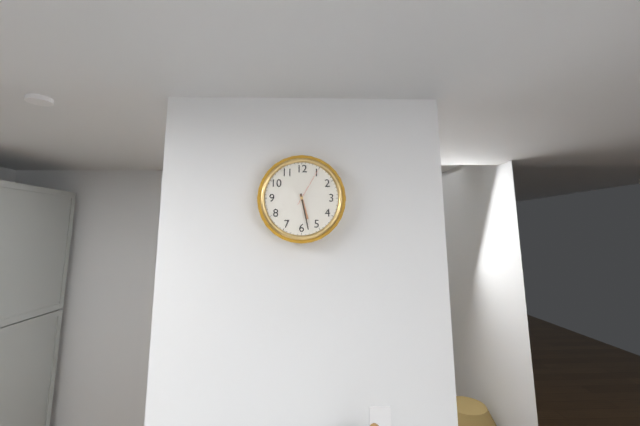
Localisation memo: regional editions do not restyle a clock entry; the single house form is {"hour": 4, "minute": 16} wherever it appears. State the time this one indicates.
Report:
{"hour": 5, "minute": 28}
